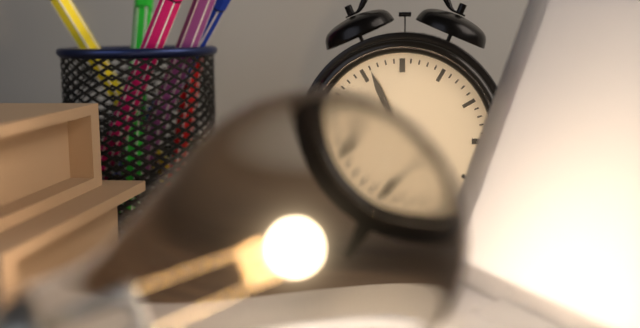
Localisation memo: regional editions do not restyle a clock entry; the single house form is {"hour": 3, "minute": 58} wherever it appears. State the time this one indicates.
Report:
{"hour": 6, "minute": 56}
